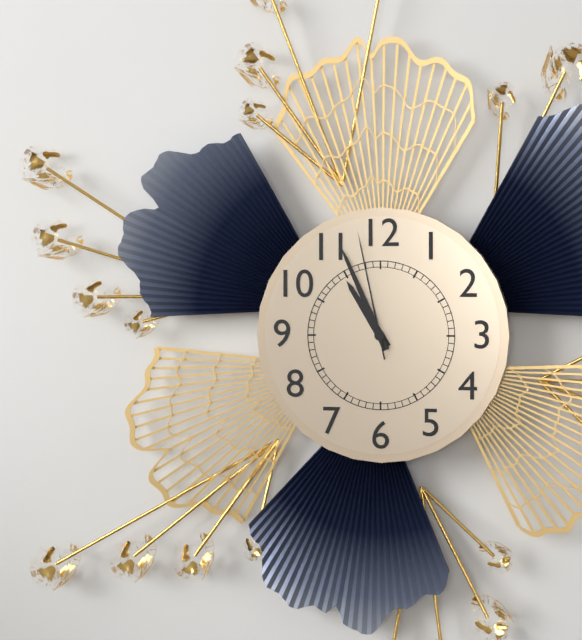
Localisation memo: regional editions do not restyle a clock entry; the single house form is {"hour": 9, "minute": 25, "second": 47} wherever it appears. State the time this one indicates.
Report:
{"hour": 10, "minute": 56, "second": 58}
